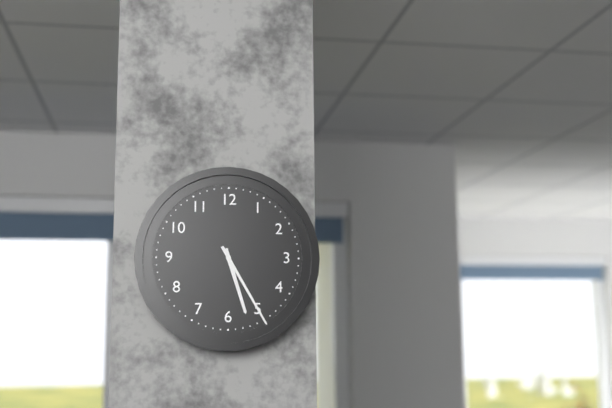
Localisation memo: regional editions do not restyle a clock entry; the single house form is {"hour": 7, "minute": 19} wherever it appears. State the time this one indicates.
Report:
{"hour": 5, "minute": 25}
